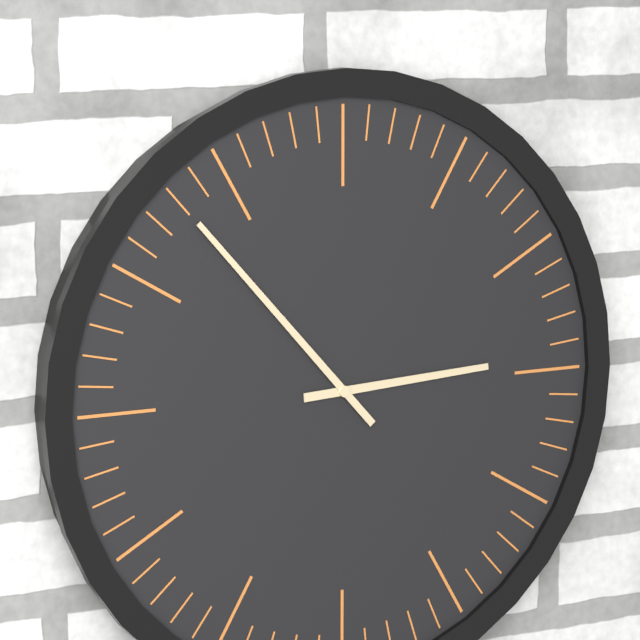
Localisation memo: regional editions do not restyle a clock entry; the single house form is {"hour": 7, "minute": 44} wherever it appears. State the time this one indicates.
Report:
{"hour": 2, "minute": 53}
